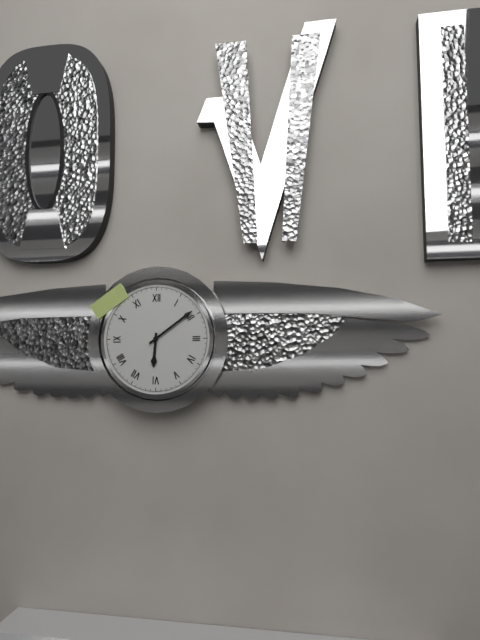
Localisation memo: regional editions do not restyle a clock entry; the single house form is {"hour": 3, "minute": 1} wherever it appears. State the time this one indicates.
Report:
{"hour": 6, "minute": 9}
